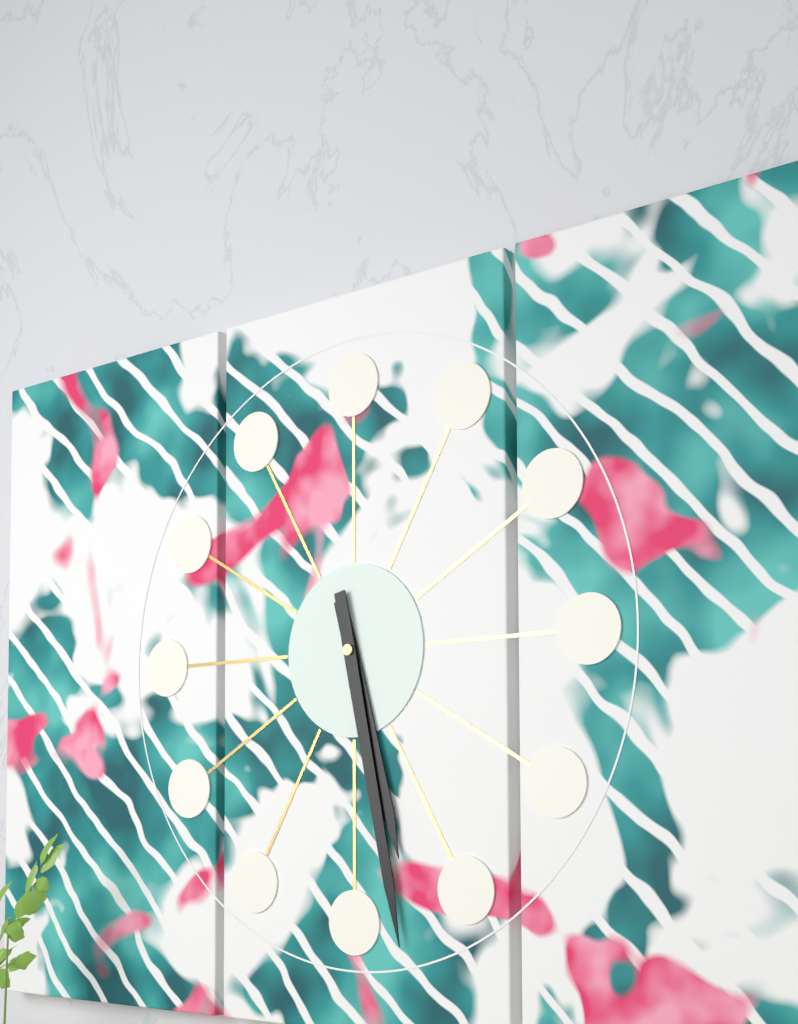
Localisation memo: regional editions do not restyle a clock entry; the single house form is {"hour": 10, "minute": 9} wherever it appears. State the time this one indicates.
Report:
{"hour": 5, "minute": 28}
